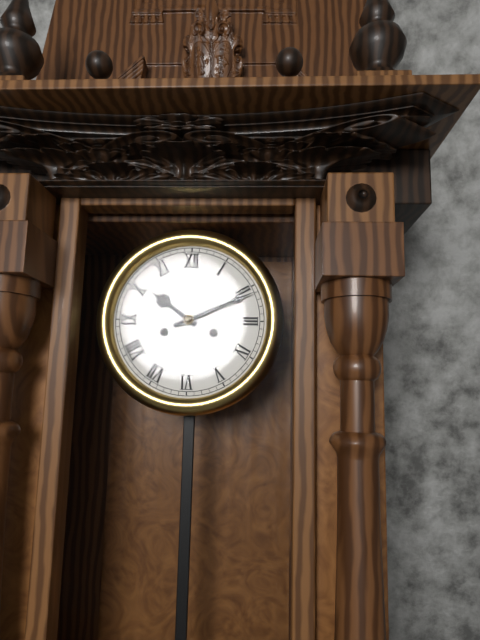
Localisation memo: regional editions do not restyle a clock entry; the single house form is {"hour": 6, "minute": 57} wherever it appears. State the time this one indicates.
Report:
{"hour": 10, "minute": 11}
